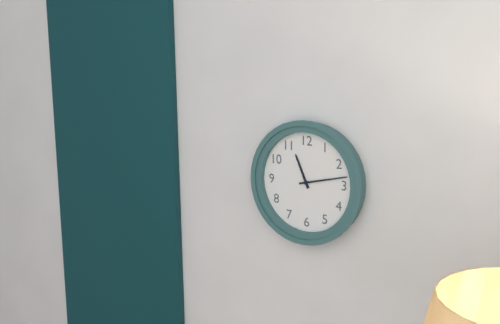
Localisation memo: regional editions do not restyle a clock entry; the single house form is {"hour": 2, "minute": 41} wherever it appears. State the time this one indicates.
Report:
{"hour": 11, "minute": 13}
